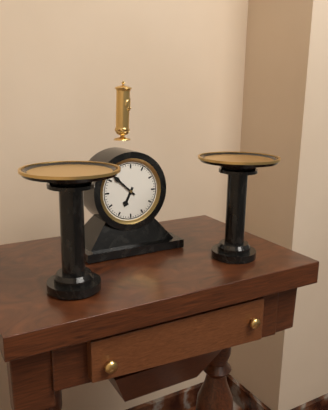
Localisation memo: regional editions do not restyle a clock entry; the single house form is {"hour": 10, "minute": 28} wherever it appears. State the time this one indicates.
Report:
{"hour": 6, "minute": 52}
